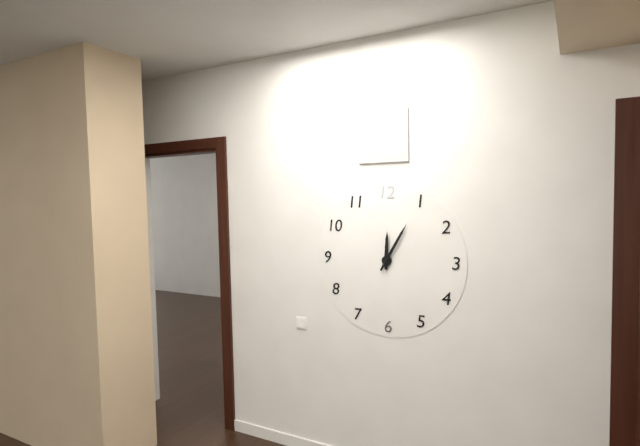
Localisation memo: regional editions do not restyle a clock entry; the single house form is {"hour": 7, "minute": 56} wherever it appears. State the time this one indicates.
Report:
{"hour": 12, "minute": 5}
